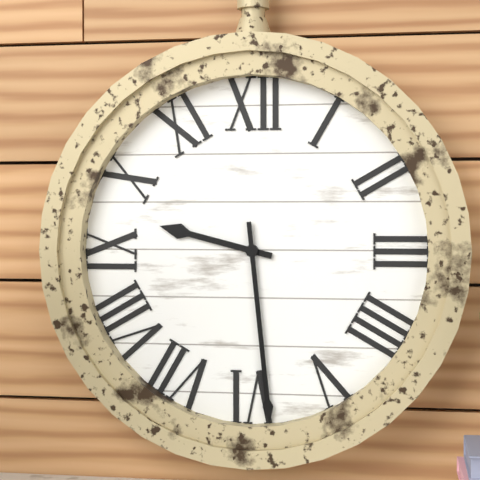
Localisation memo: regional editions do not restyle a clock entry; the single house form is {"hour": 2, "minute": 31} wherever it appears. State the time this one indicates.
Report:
{"hour": 9, "minute": 29}
